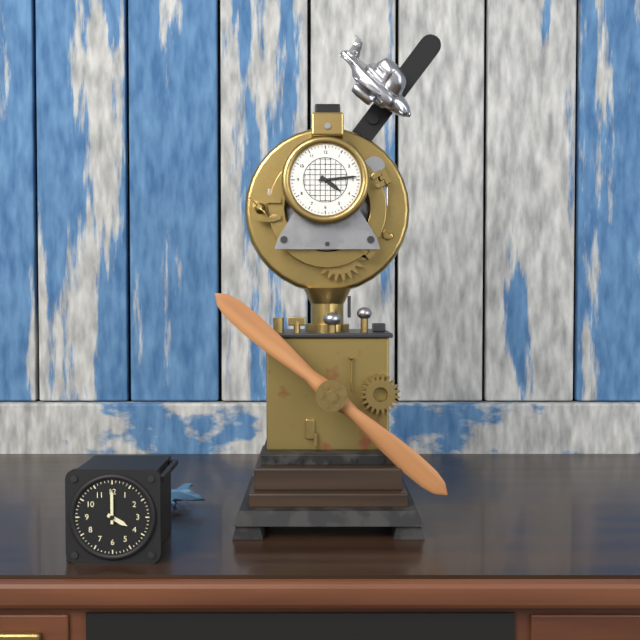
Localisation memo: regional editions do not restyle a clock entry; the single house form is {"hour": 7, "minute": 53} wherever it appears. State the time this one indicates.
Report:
{"hour": 4, "minute": 14}
